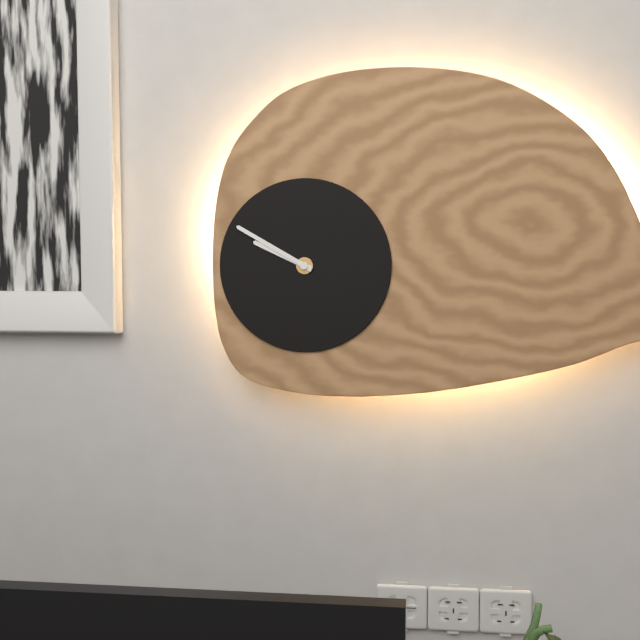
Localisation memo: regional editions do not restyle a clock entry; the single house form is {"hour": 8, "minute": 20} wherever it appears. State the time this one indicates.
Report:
{"hour": 9, "minute": 50}
